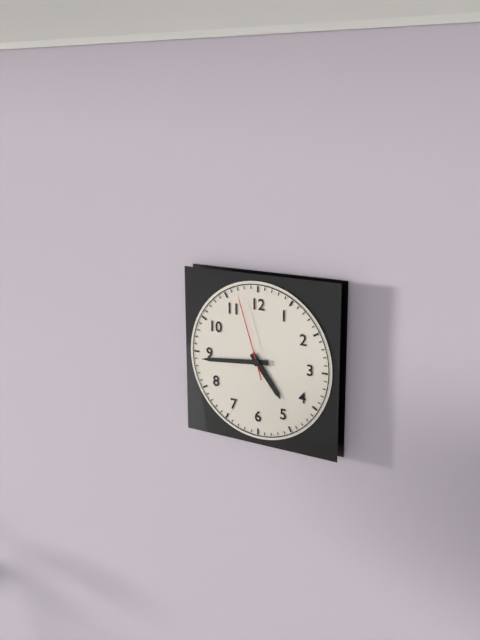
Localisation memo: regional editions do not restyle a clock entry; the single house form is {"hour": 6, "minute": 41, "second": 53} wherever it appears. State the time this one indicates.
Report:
{"hour": 4, "minute": 44, "second": 57}
